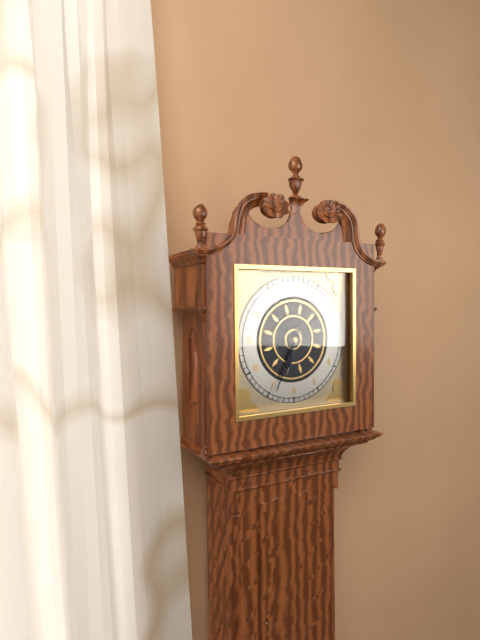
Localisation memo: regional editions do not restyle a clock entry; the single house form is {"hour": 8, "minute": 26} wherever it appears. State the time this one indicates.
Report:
{"hour": 6, "minute": 34}
